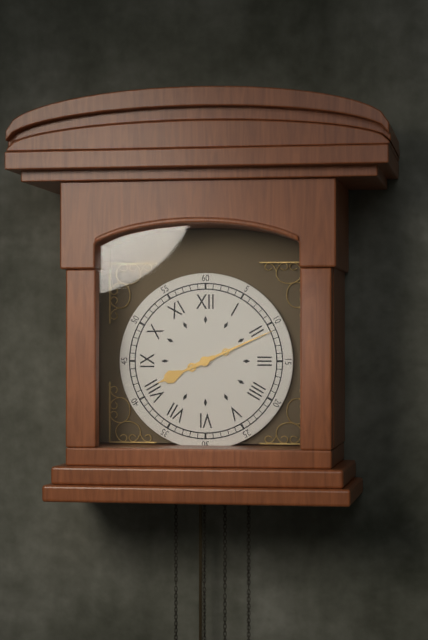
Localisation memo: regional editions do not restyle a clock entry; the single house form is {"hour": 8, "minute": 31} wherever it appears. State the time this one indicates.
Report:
{"hour": 8, "minute": 11}
